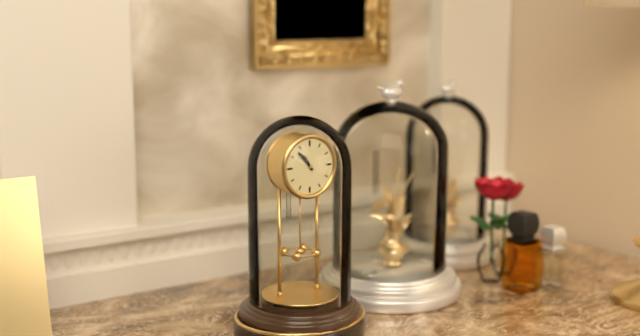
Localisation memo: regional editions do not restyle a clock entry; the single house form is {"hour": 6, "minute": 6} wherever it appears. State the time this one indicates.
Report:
{"hour": 10, "minute": 53}
